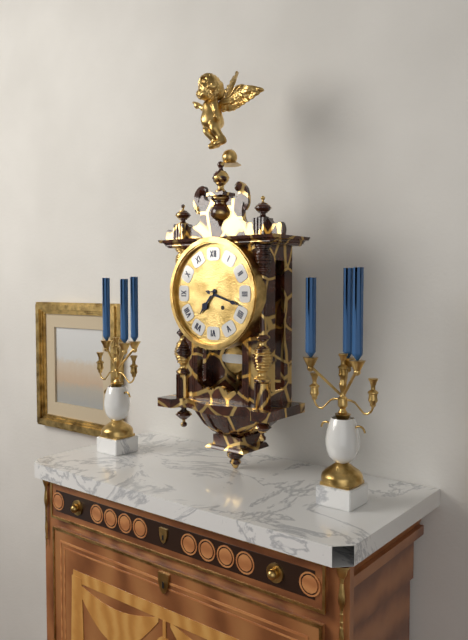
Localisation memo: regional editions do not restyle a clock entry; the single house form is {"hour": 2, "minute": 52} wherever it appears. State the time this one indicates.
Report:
{"hour": 7, "minute": 18}
